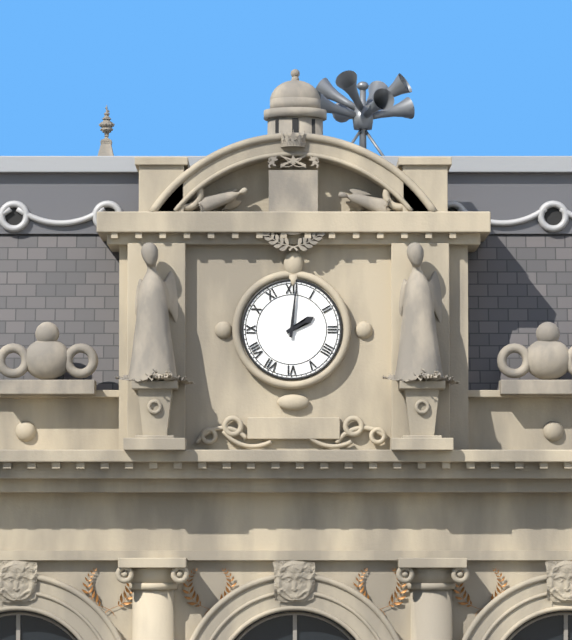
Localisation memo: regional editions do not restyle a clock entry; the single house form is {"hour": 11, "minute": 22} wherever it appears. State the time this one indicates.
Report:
{"hour": 2, "minute": 1}
